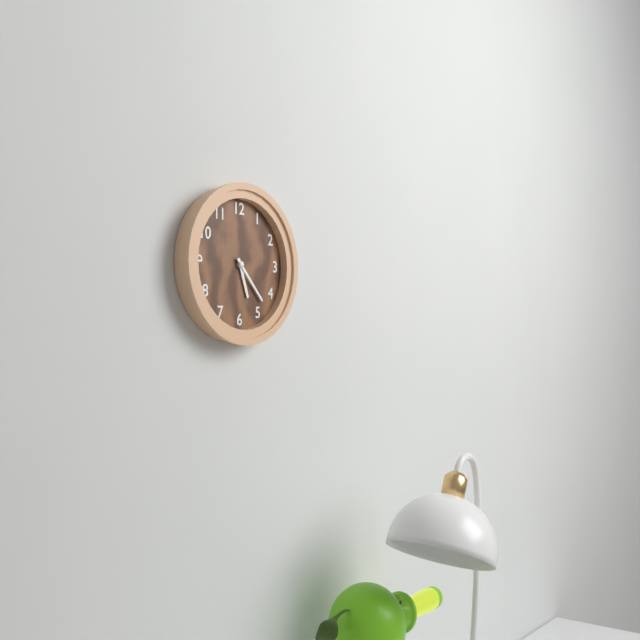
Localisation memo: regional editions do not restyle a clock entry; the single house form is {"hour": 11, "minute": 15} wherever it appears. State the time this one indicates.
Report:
{"hour": 5, "minute": 23}
